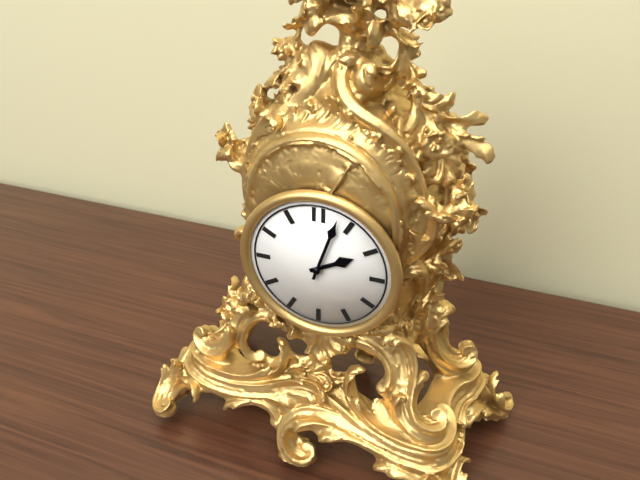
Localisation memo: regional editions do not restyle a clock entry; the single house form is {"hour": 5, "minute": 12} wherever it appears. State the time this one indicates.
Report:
{"hour": 2, "minute": 3}
